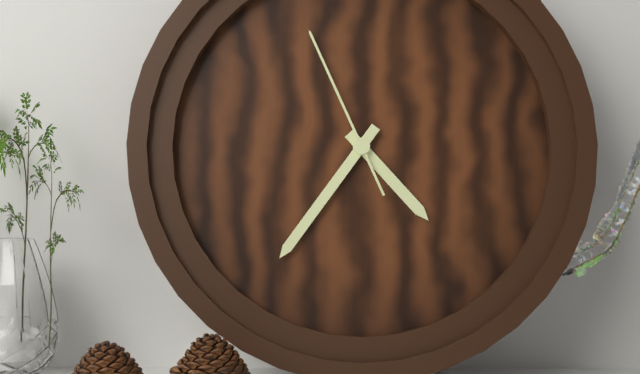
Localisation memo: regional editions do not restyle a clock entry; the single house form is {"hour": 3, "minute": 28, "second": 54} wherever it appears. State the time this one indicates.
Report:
{"hour": 4, "minute": 36, "second": 56}
